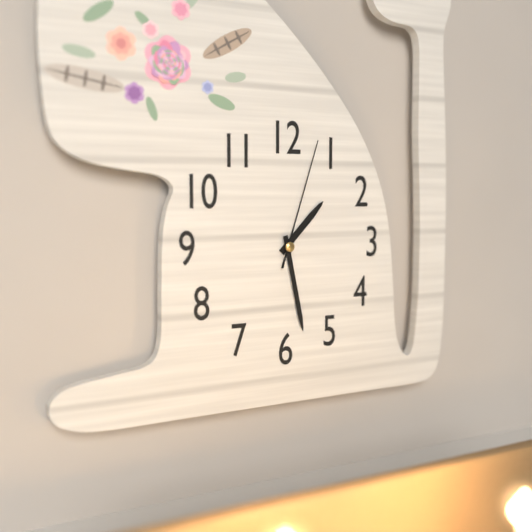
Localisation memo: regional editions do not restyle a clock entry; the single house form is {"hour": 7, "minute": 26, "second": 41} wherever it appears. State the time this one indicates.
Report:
{"hour": 1, "minute": 28, "second": 3}
